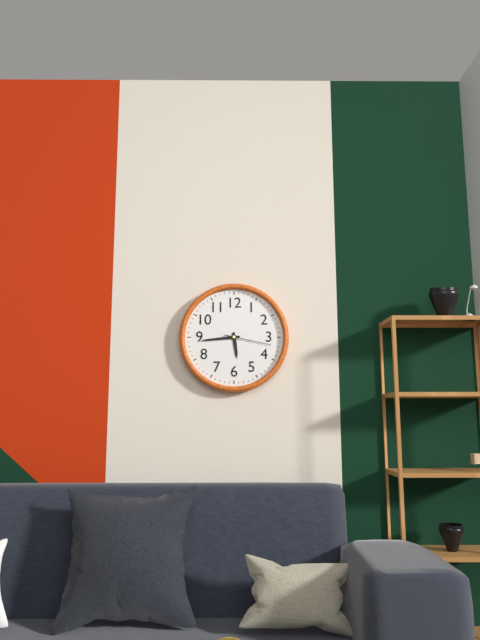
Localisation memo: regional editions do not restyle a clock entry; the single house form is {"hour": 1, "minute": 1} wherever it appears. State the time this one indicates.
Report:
{"hour": 5, "minute": 44}
